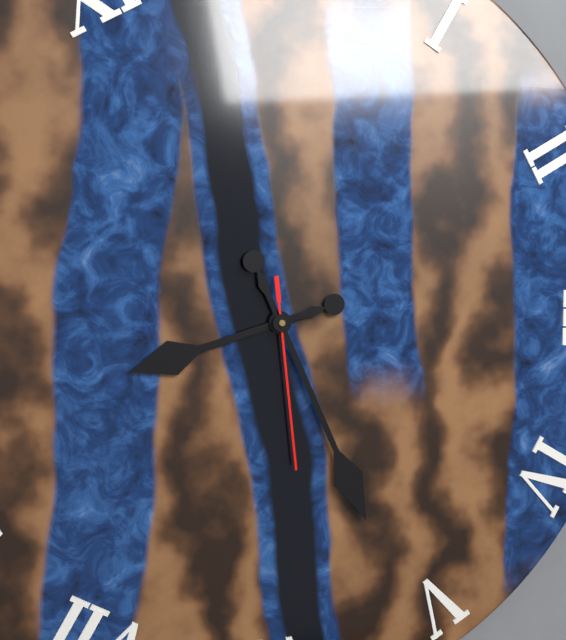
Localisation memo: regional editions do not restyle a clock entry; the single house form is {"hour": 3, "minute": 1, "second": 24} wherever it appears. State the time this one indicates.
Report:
{"hour": 8, "minute": 26, "second": 29}
